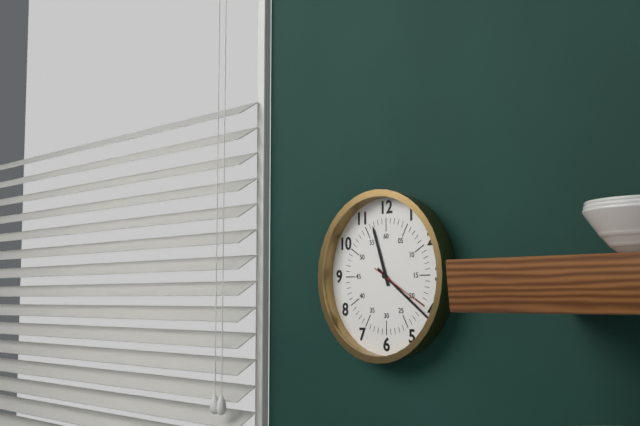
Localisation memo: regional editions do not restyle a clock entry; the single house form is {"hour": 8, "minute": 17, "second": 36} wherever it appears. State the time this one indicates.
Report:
{"hour": 11, "minute": 21, "second": 20}
